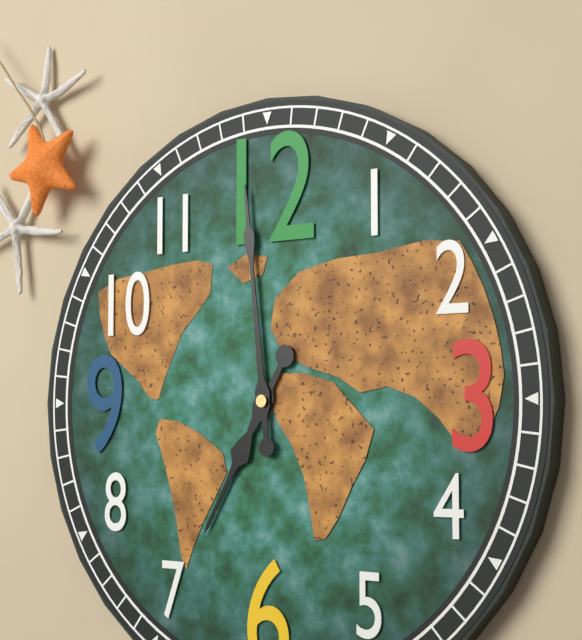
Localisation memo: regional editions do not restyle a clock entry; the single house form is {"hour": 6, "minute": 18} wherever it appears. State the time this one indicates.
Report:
{"hour": 6, "minute": 59}
